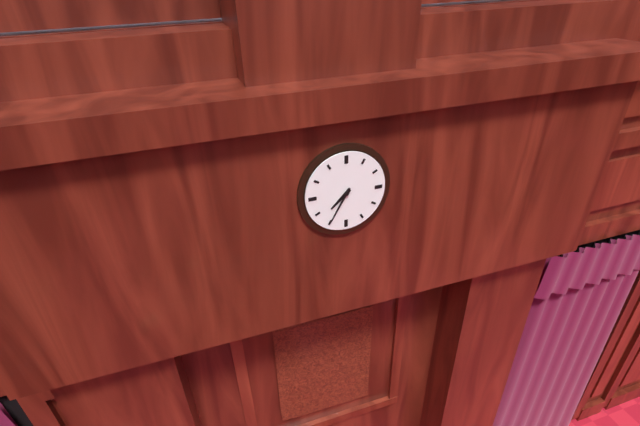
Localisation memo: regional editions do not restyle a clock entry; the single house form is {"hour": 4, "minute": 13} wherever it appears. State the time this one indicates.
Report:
{"hour": 7, "minute": 35}
